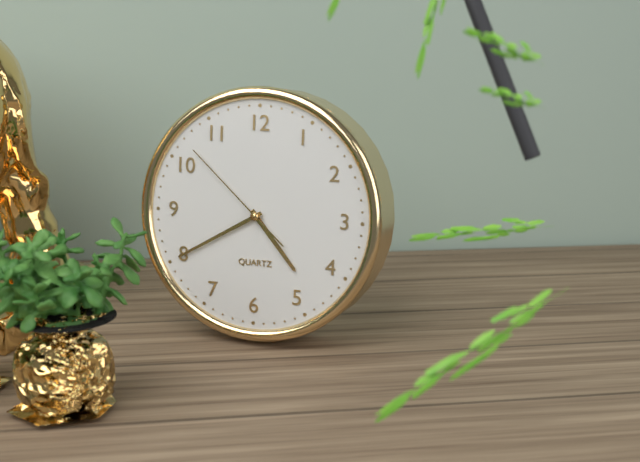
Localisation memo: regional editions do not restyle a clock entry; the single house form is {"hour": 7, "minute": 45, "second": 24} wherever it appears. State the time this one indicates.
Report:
{"hour": 4, "minute": 40, "second": 52}
